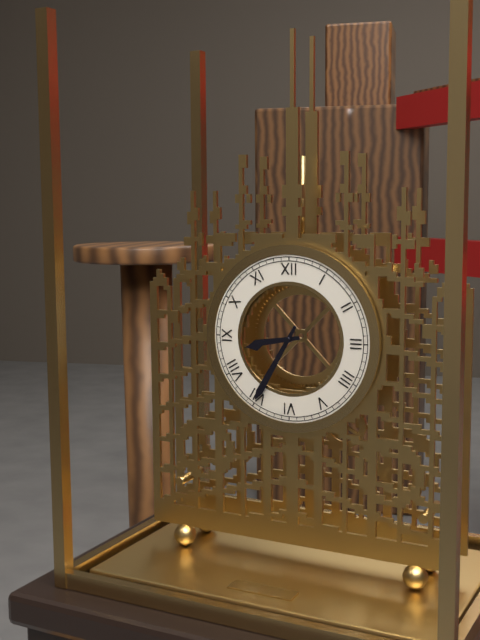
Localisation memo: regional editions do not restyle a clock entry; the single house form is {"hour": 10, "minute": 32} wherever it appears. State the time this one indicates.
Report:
{"hour": 8, "minute": 35}
